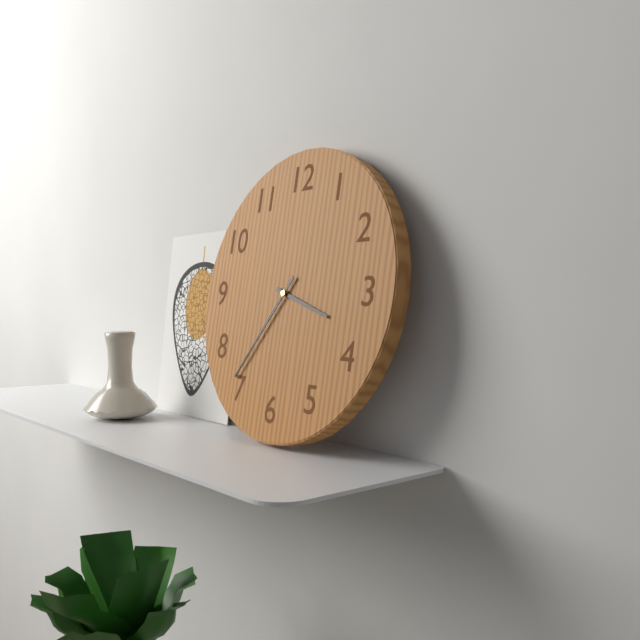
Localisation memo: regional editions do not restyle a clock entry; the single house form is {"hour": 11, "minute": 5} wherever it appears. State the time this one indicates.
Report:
{"hour": 3, "minute": 36}
